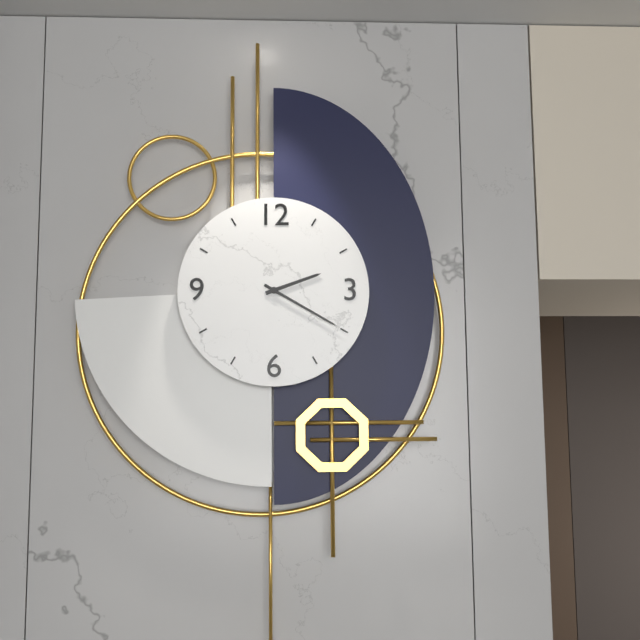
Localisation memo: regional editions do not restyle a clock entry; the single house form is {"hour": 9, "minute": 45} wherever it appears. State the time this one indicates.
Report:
{"hour": 2, "minute": 20}
